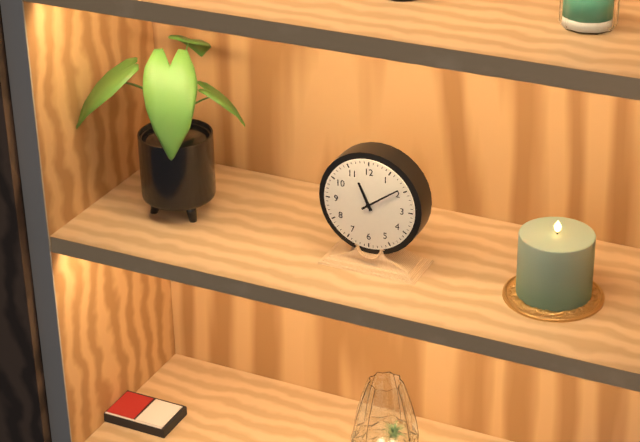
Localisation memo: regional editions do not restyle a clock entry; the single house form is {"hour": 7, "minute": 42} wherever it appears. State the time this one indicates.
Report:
{"hour": 11, "minute": 9}
